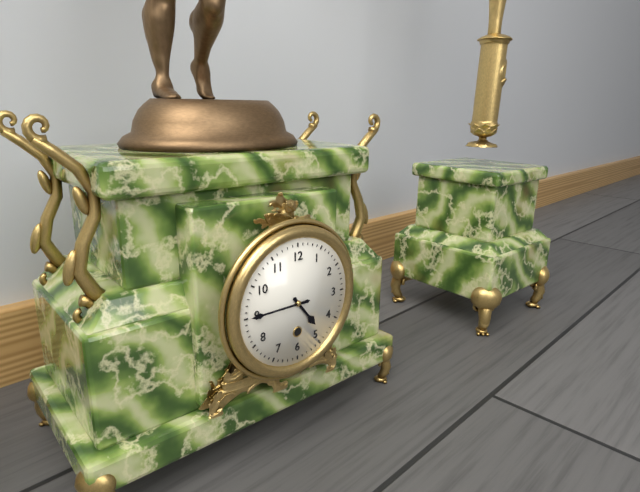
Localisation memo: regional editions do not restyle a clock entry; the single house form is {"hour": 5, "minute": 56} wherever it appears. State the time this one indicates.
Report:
{"hour": 4, "minute": 45}
